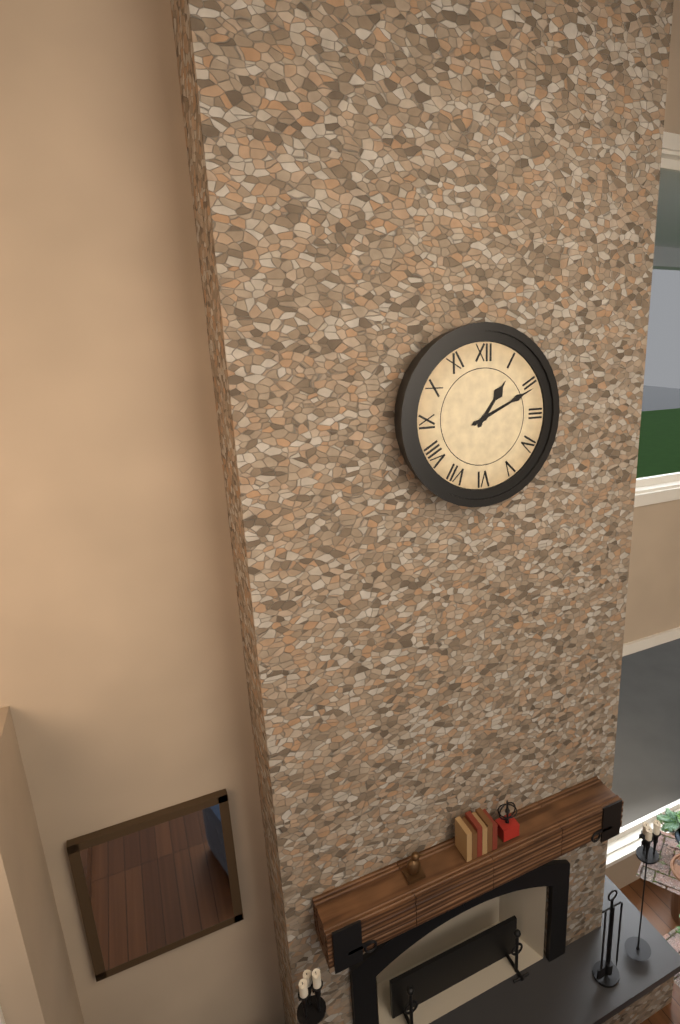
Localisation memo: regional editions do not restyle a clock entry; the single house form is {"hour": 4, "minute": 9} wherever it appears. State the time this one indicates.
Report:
{"hour": 1, "minute": 11}
